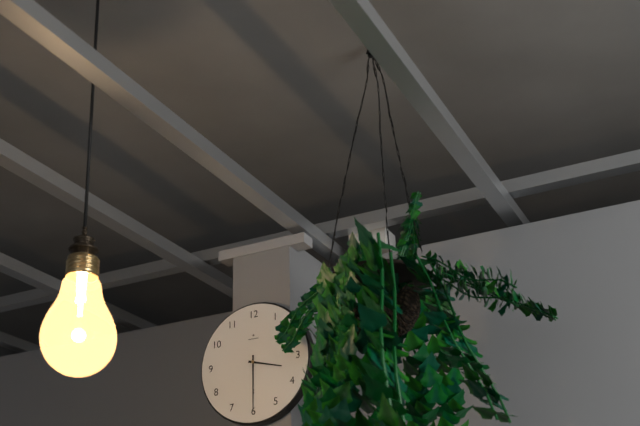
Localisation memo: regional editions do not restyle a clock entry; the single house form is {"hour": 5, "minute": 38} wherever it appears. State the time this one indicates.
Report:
{"hour": 3, "minute": 30}
